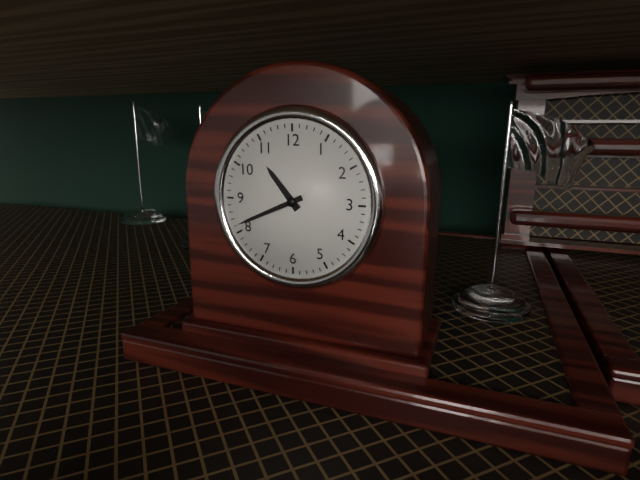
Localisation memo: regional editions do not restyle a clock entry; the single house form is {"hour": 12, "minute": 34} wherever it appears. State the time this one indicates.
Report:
{"hour": 10, "minute": 41}
